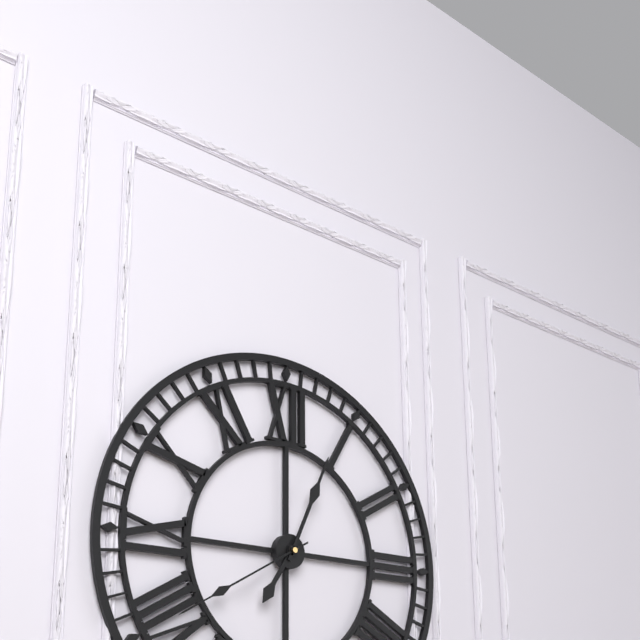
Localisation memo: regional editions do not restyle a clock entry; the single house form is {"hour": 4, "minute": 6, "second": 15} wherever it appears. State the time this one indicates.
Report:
{"hour": 7, "minute": 4, "second": 40}
